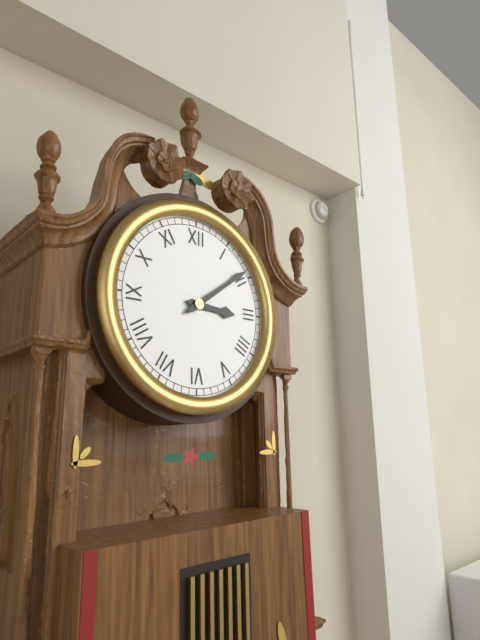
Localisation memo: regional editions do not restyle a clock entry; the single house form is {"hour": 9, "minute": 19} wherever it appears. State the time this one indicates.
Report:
{"hour": 3, "minute": 9}
